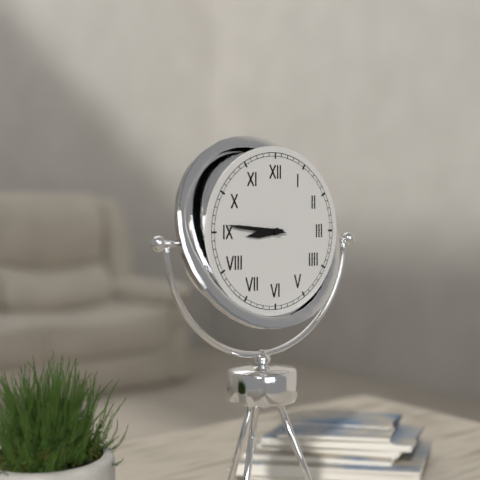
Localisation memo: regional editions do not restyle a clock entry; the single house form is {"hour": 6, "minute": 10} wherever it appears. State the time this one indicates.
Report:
{"hour": 8, "minute": 46}
